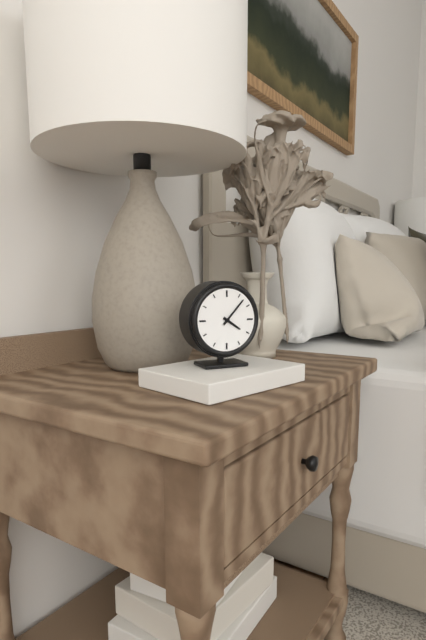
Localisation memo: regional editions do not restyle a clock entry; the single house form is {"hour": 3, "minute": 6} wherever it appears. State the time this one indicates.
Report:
{"hour": 4, "minute": 7}
